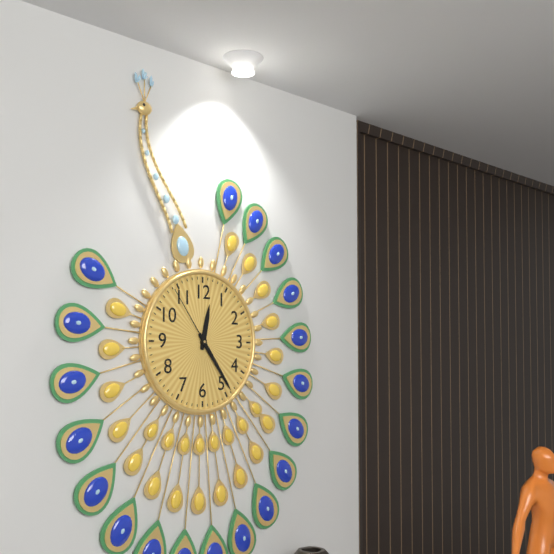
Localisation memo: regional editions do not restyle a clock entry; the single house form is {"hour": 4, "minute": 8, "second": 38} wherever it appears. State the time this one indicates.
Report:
{"hour": 12, "minute": 24, "second": 54}
